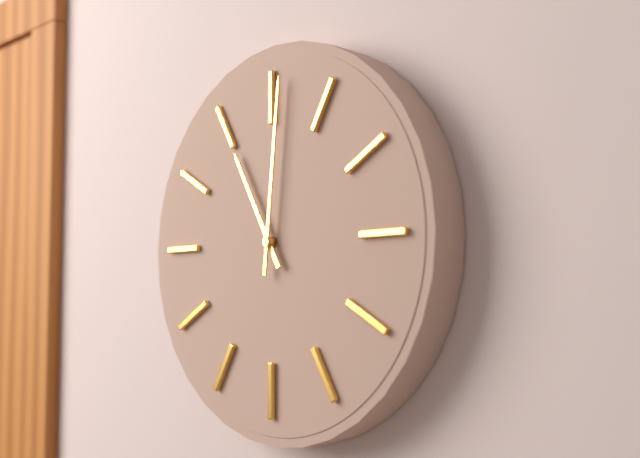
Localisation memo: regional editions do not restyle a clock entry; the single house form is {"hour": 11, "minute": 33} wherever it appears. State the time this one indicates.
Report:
{"hour": 11, "minute": 1}
